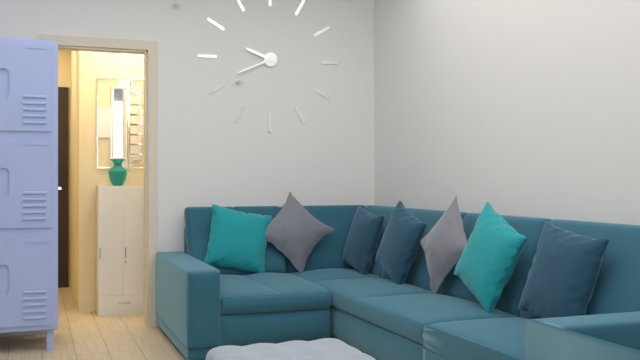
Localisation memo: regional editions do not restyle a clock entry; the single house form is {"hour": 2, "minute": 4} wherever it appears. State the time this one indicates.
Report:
{"hour": 9, "minute": 41}
